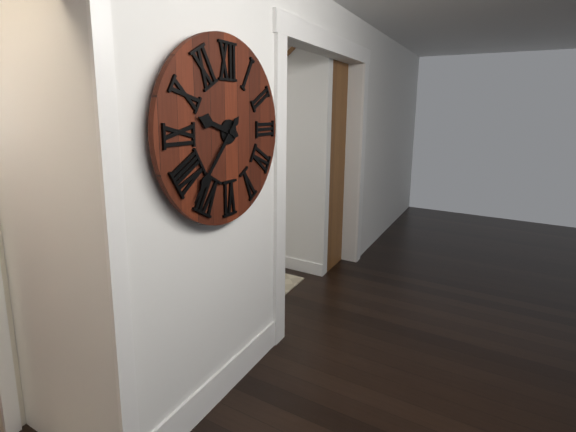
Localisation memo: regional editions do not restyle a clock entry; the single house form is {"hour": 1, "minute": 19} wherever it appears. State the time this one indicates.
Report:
{"hour": 9, "minute": 37}
